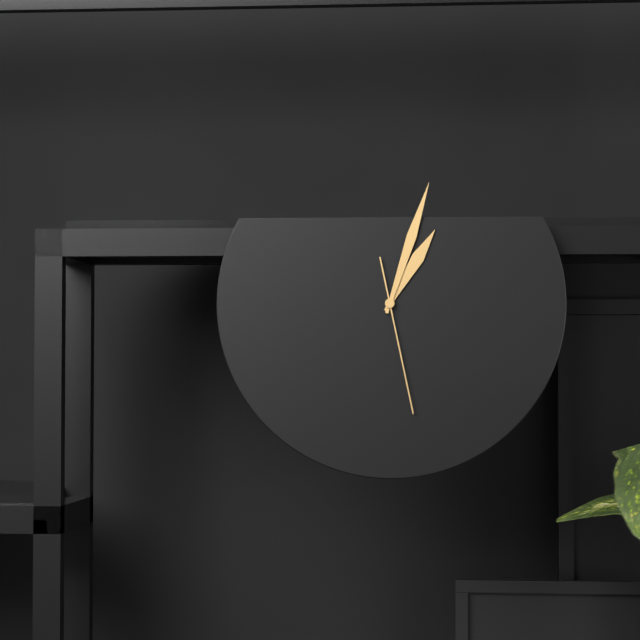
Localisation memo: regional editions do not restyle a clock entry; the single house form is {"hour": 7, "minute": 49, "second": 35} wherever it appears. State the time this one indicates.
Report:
{"hour": 1, "minute": 3, "second": 28}
